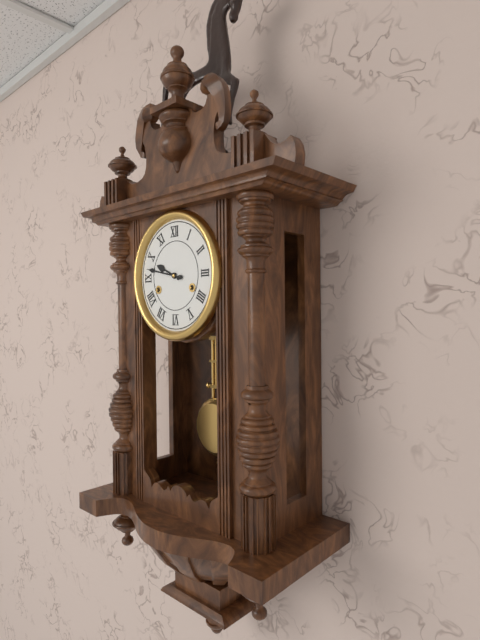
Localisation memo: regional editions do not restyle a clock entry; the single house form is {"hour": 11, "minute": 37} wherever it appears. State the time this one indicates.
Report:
{"hour": 9, "minute": 47}
